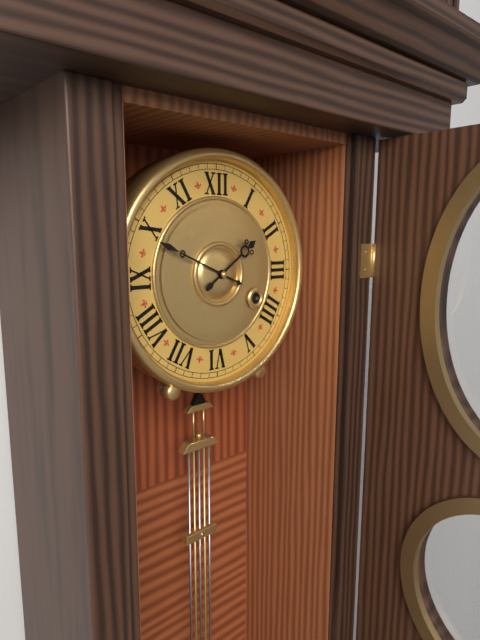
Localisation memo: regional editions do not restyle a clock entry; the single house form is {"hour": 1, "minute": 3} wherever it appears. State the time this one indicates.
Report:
{"hour": 1, "minute": 49}
